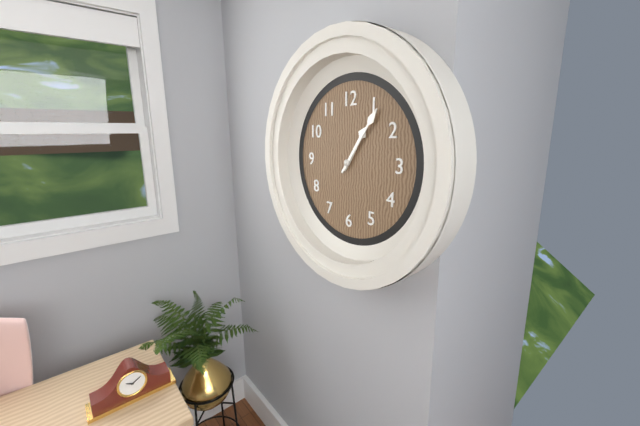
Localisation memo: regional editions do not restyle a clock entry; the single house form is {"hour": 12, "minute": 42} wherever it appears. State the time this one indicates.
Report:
{"hour": 1, "minute": 6}
